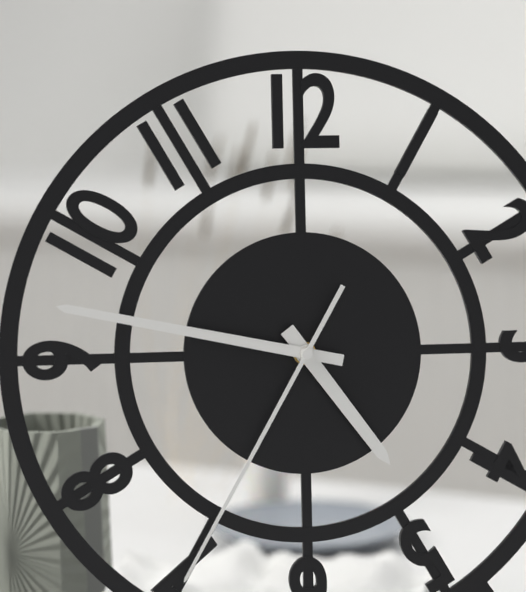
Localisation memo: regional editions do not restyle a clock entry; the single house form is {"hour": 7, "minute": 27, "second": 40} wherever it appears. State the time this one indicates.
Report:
{"hour": 4, "minute": 47, "second": 35}
